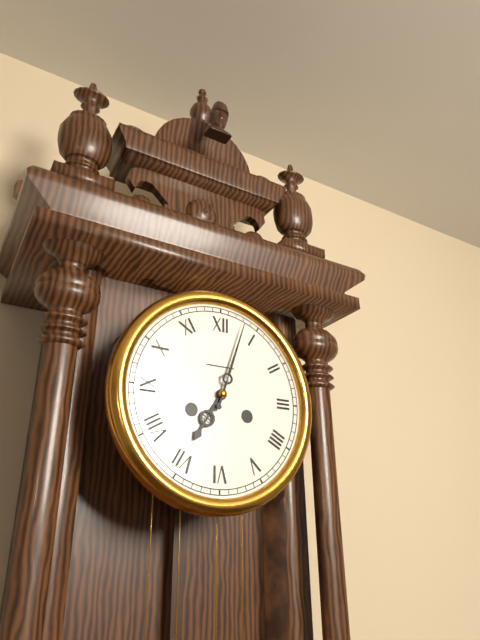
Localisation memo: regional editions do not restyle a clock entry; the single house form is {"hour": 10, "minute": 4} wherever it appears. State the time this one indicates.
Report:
{"hour": 7, "minute": 3}
